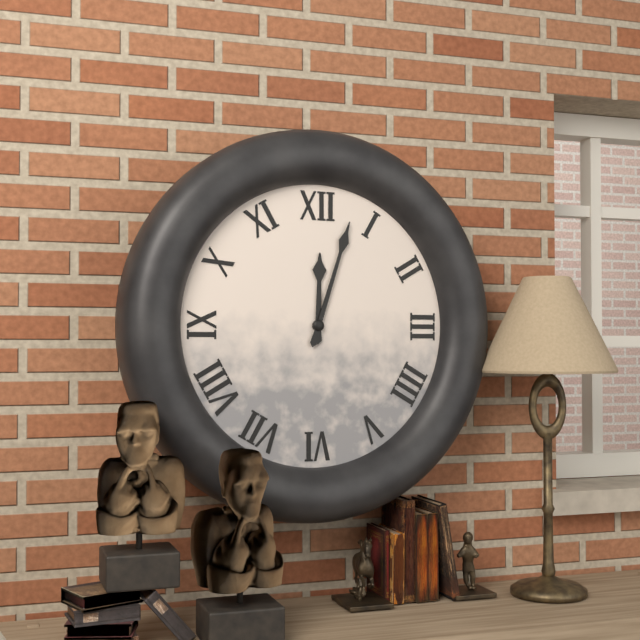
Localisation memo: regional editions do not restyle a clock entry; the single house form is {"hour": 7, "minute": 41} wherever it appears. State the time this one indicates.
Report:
{"hour": 12, "minute": 3}
